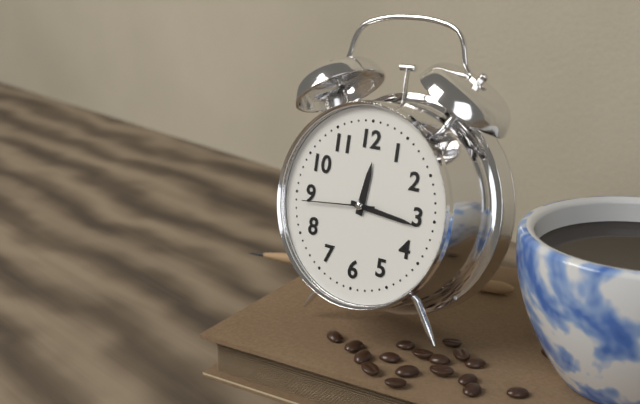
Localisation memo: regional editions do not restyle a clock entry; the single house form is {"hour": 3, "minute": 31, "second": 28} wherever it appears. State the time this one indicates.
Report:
{"hour": 12, "minute": 16, "second": 44}
